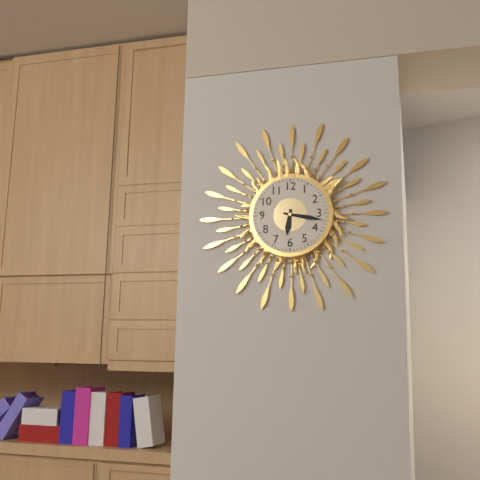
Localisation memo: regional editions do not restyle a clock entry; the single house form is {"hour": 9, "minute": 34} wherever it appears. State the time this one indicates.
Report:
{"hour": 6, "minute": 17}
